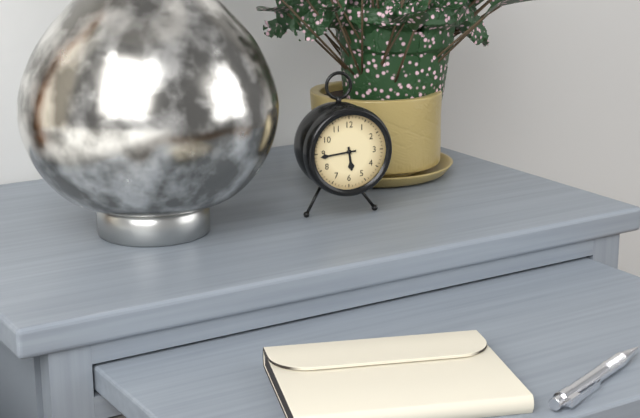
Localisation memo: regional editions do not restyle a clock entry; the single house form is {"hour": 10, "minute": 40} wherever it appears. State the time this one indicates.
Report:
{"hour": 5, "minute": 44}
